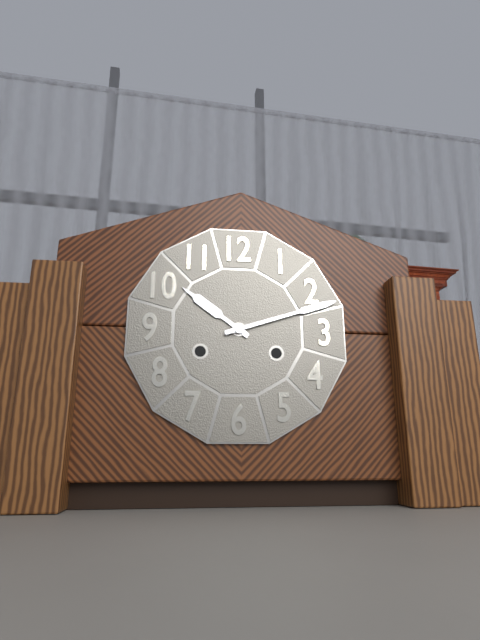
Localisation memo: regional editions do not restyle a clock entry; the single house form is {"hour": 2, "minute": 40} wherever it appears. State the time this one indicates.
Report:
{"hour": 10, "minute": 12}
